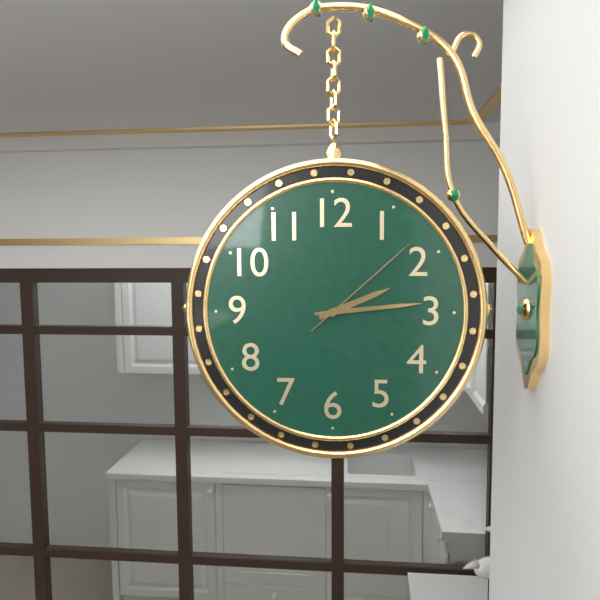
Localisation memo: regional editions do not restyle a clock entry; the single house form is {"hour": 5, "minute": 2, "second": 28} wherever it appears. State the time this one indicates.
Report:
{"hour": 2, "minute": 14, "second": 8}
